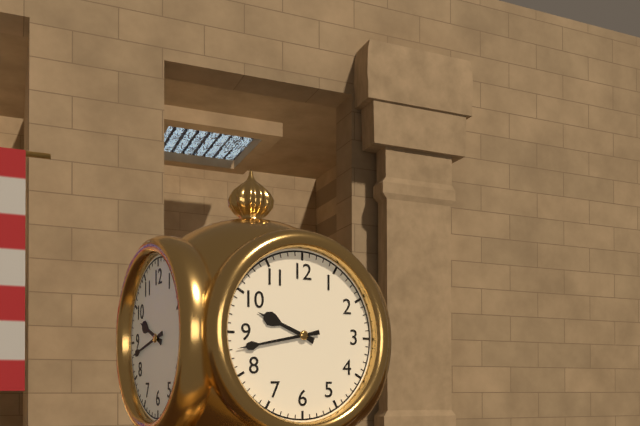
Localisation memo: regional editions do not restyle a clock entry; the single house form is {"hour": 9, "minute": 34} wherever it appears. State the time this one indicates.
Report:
{"hour": 9, "minute": 43}
